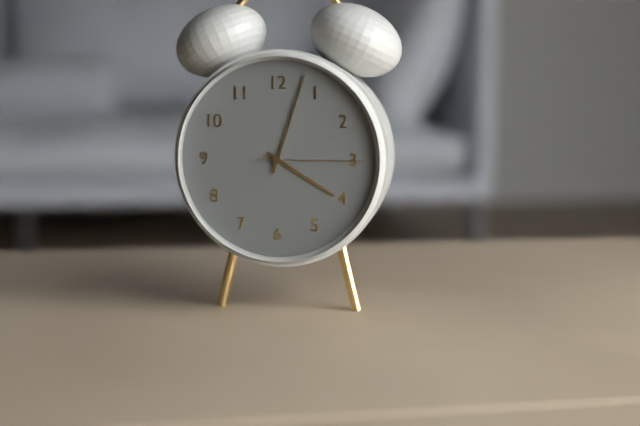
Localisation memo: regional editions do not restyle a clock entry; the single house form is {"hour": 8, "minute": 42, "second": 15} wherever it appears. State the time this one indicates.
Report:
{"hour": 4, "minute": 3, "second": 15}
